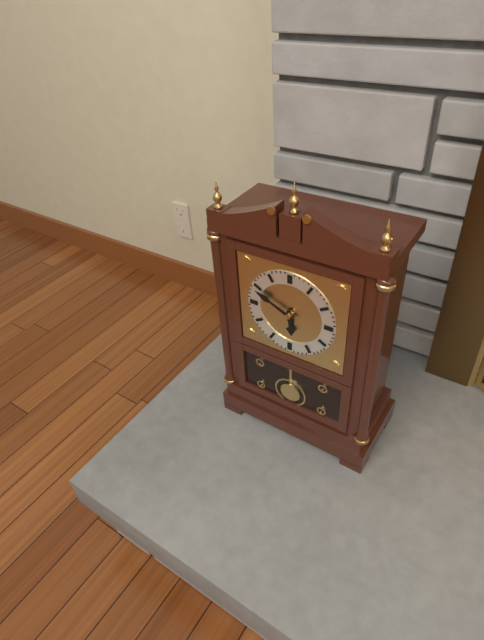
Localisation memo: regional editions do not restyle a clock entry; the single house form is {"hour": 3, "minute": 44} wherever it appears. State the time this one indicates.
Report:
{"hour": 5, "minute": 49}
